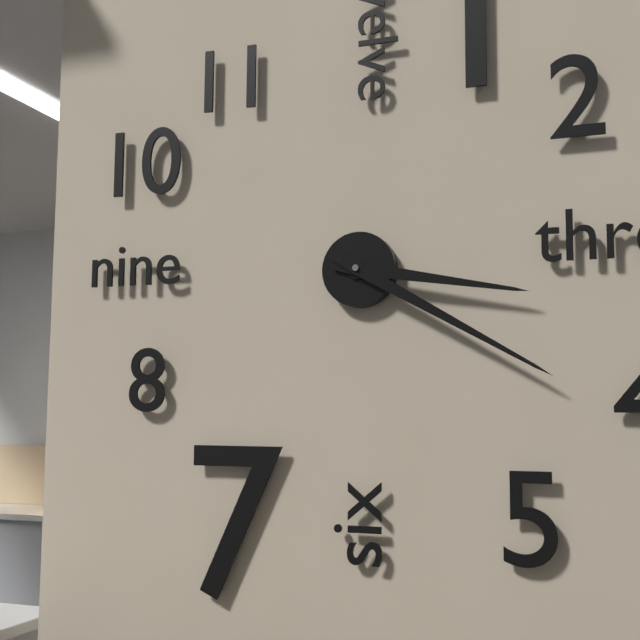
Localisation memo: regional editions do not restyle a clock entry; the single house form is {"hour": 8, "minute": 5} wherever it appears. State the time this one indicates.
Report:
{"hour": 3, "minute": 20}
